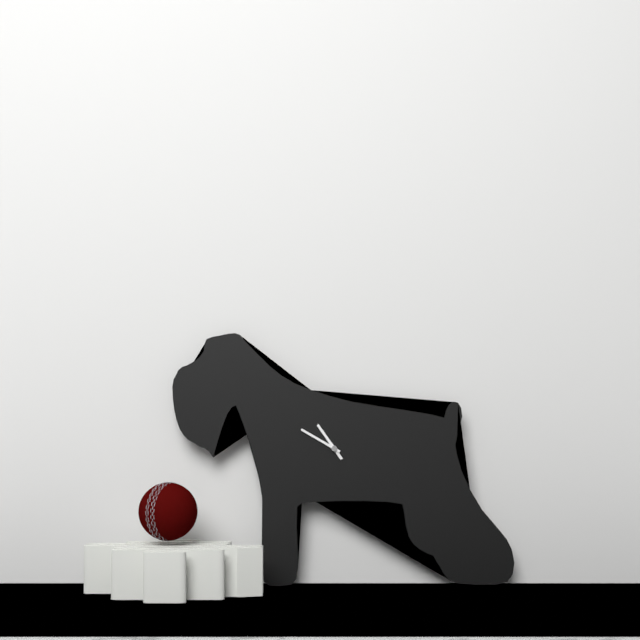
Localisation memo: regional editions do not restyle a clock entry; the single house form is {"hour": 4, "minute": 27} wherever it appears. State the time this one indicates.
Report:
{"hour": 10, "minute": 50}
